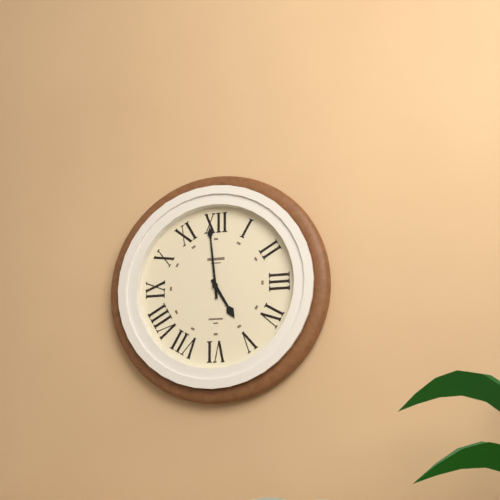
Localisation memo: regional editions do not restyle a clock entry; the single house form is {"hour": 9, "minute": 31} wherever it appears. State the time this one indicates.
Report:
{"hour": 4, "minute": 59}
